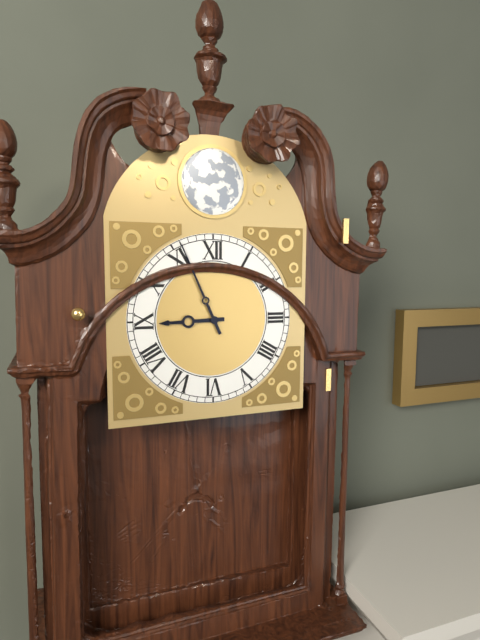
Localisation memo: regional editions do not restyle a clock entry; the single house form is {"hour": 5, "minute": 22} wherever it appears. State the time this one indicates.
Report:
{"hour": 8, "minute": 56}
